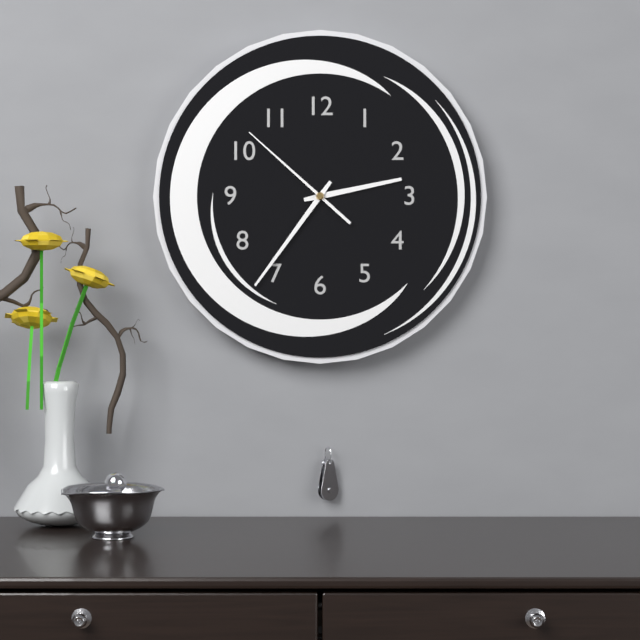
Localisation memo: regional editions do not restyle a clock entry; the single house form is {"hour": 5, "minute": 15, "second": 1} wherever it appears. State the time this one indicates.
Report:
{"hour": 2, "minute": 36, "second": 52}
